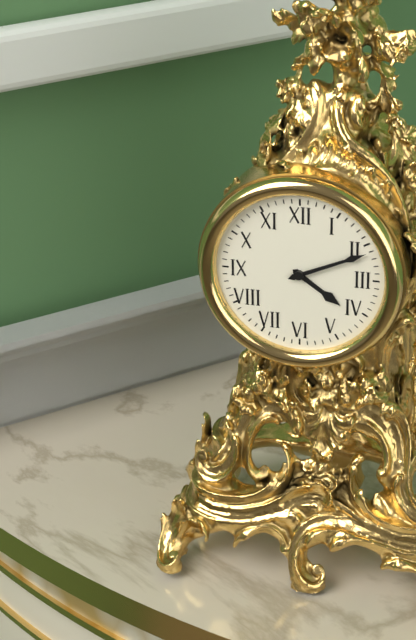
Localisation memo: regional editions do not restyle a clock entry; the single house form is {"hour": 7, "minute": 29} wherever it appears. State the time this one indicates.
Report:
{"hour": 4, "minute": 11}
